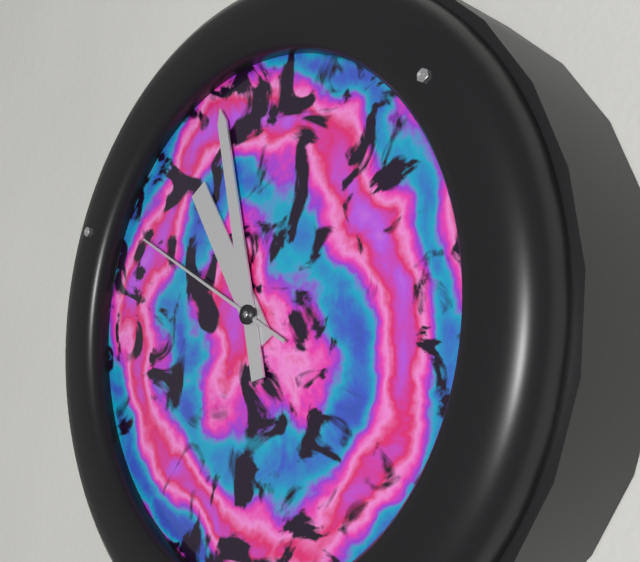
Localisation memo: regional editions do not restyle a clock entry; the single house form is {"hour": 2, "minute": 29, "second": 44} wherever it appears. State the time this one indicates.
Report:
{"hour": 10, "minute": 58, "second": 50}
